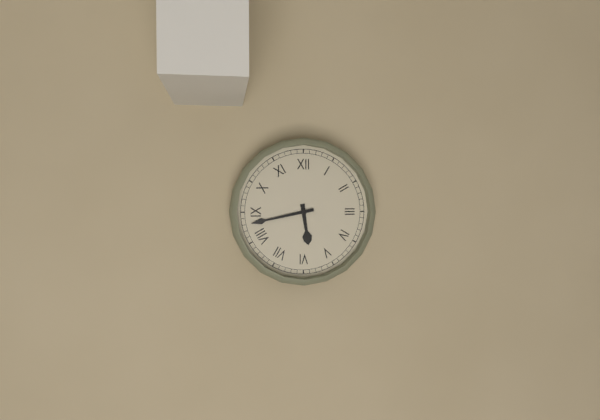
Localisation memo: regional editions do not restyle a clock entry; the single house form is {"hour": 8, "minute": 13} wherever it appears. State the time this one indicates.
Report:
{"hour": 5, "minute": 43}
